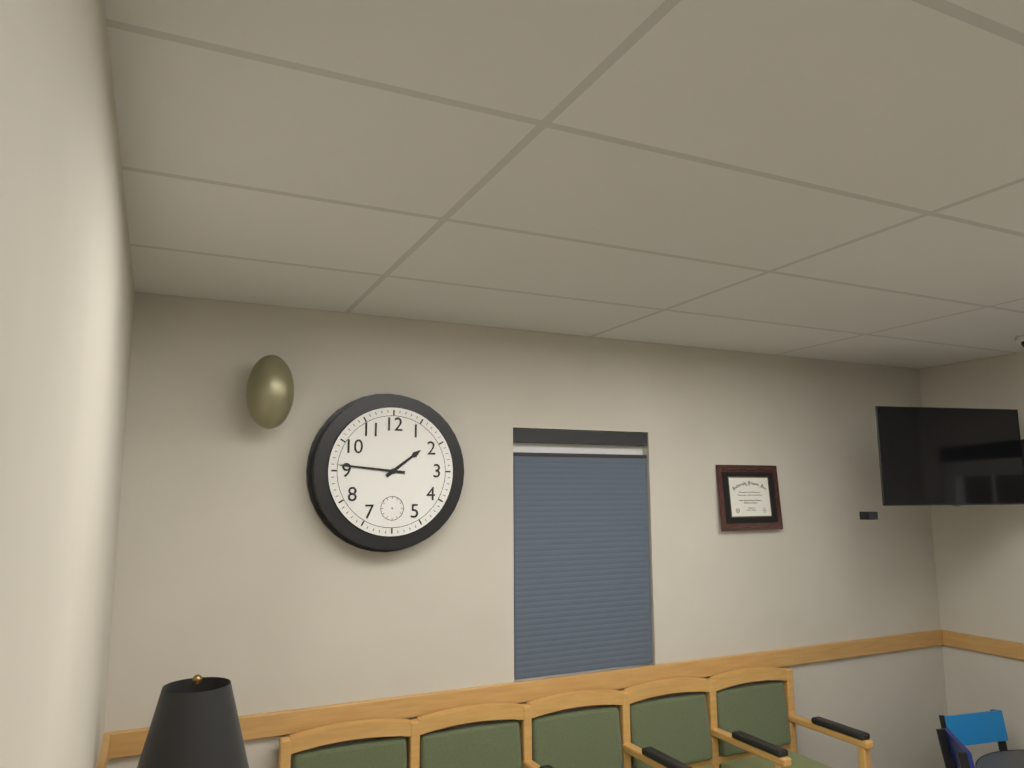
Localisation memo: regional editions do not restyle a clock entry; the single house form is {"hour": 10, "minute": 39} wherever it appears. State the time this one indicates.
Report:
{"hour": 1, "minute": 46}
